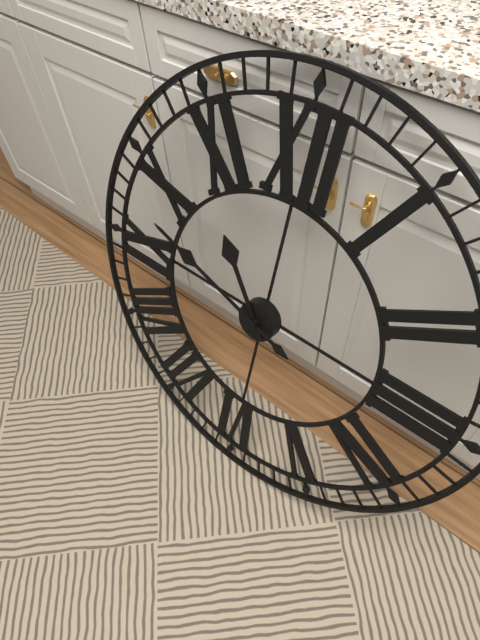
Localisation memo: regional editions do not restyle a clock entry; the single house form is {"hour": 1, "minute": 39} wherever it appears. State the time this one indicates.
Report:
{"hour": 10, "minute": 48}
